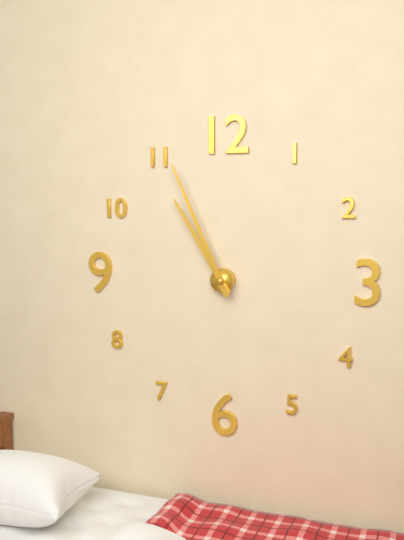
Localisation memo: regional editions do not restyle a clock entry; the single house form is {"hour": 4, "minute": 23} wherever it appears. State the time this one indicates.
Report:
{"hour": 10, "minute": 56}
